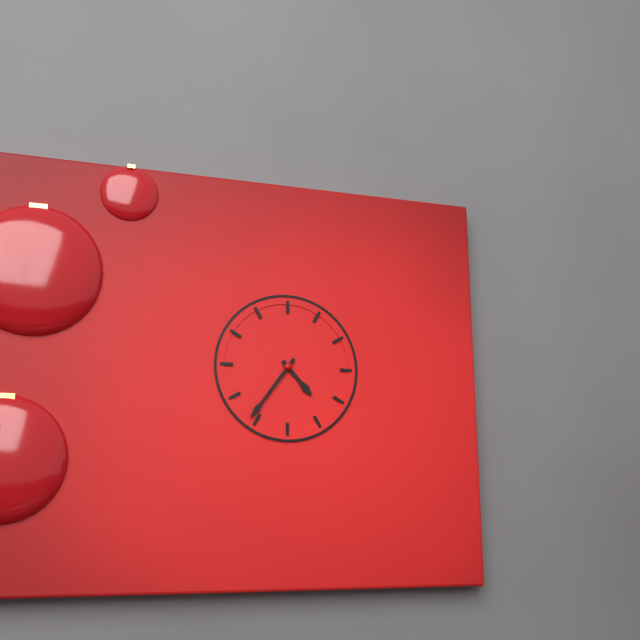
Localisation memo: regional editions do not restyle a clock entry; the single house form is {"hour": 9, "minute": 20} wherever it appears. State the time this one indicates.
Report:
{"hour": 4, "minute": 36}
